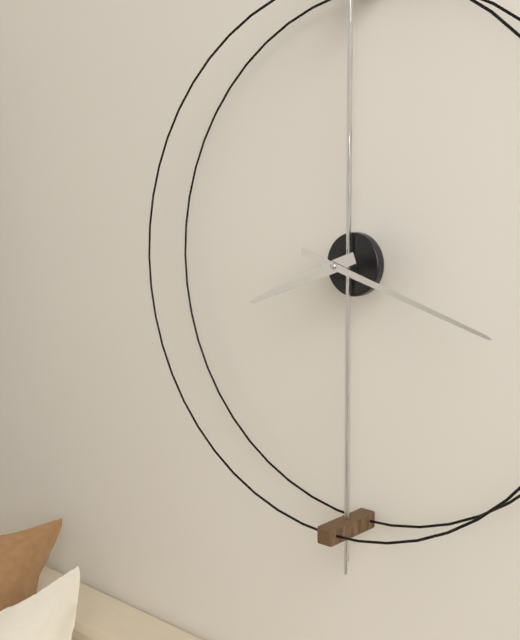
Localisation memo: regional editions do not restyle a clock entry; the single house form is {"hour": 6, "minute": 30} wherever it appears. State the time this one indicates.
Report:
{"hour": 8, "minute": 18}
